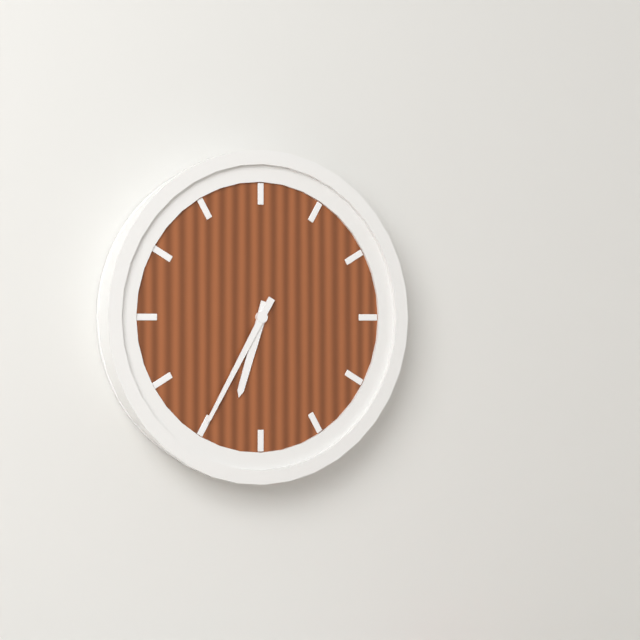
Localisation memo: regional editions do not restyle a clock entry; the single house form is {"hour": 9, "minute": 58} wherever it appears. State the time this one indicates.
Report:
{"hour": 6, "minute": 35}
